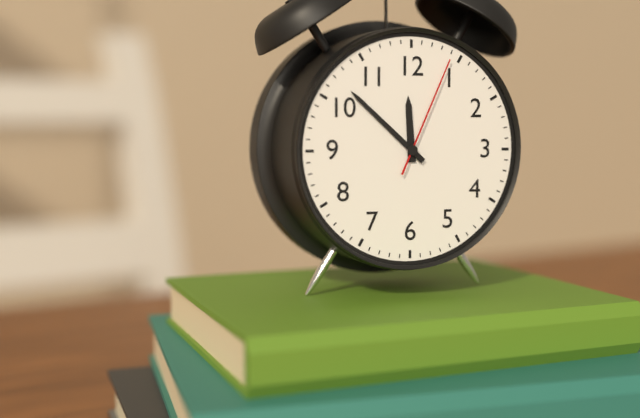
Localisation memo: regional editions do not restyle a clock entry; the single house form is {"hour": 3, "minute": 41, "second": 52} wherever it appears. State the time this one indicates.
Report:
{"hour": 11, "minute": 52, "second": 4}
